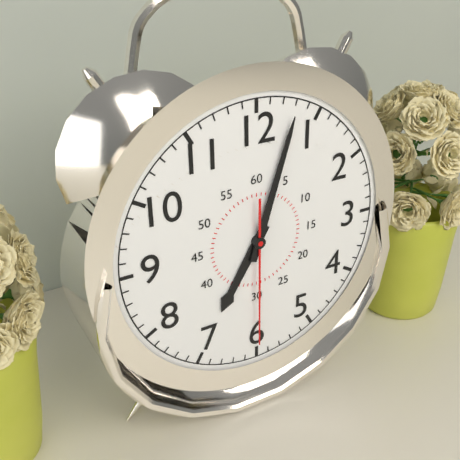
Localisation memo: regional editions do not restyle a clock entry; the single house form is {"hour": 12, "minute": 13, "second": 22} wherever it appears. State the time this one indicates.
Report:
{"hour": 7, "minute": 3, "second": 30}
